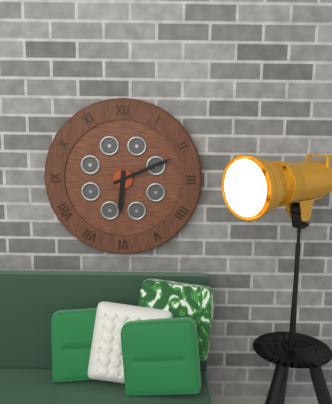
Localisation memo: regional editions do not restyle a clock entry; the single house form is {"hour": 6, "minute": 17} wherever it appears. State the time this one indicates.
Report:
{"hour": 6, "minute": 11}
